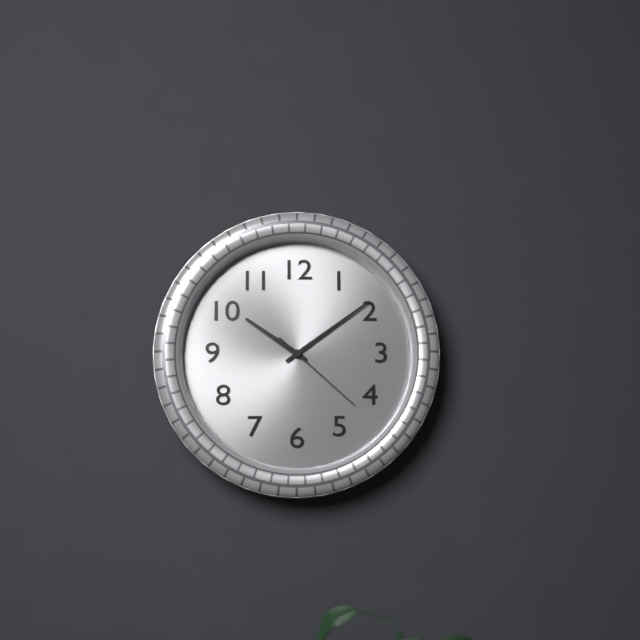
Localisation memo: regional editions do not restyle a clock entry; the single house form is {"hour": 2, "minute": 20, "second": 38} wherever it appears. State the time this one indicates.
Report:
{"hour": 10, "minute": 9, "second": 22}
